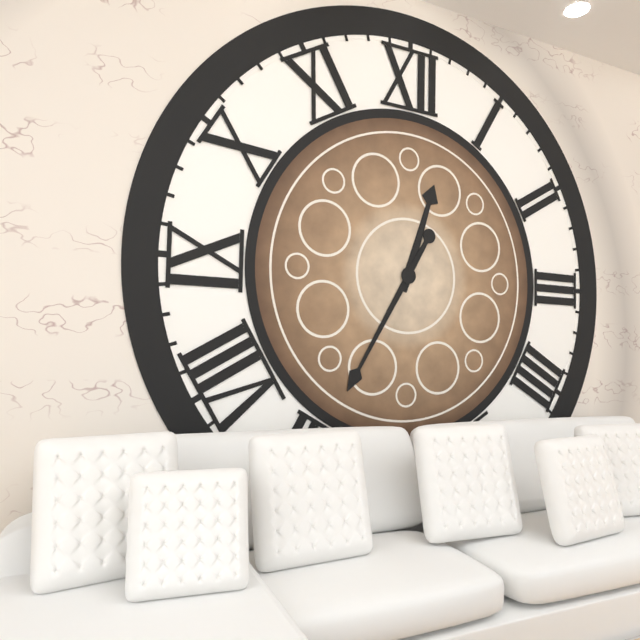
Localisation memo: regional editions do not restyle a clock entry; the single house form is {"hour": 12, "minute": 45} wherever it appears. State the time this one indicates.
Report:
{"hour": 12, "minute": 35}
